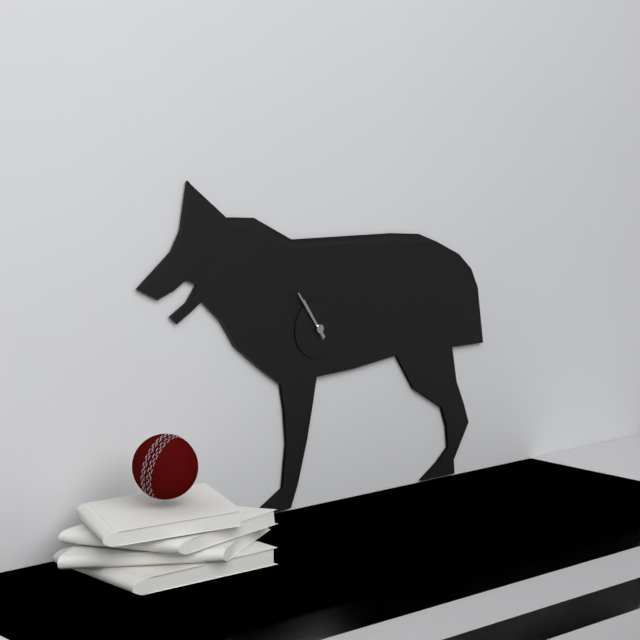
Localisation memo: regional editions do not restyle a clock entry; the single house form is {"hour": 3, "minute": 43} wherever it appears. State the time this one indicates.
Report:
{"hour": 10, "minute": 54}
